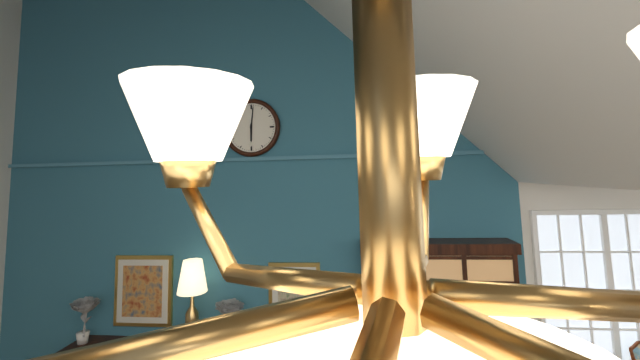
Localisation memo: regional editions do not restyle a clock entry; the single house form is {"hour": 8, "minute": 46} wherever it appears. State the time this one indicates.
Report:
{"hour": 6, "minute": 1}
